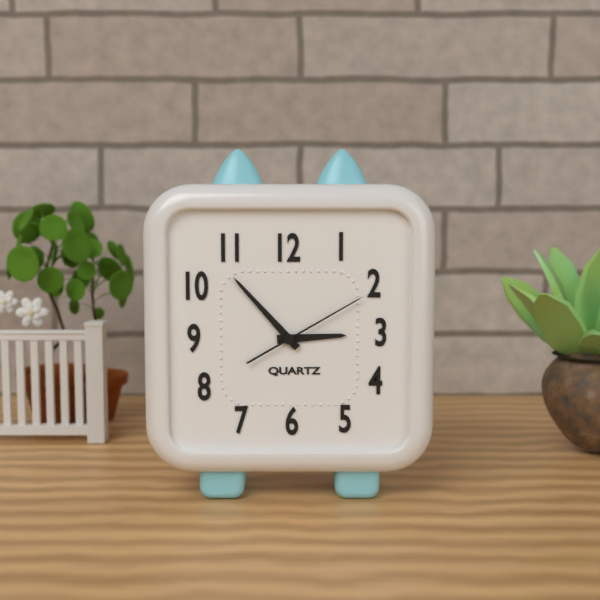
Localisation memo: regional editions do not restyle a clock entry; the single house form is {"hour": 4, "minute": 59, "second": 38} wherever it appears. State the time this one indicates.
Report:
{"hour": 2, "minute": 53, "second": 10}
